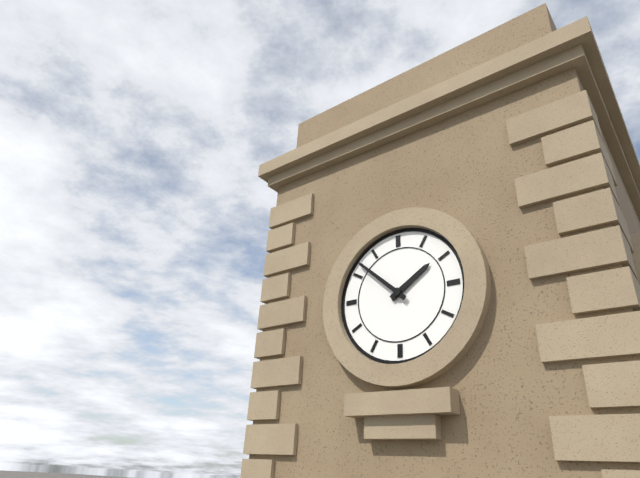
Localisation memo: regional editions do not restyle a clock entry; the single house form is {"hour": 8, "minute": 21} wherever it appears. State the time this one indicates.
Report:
{"hour": 1, "minute": 52}
